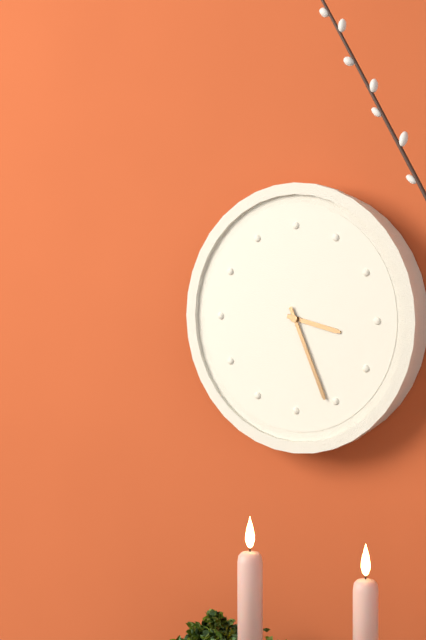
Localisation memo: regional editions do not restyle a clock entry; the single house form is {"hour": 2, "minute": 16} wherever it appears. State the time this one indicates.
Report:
{"hour": 3, "minute": 26}
